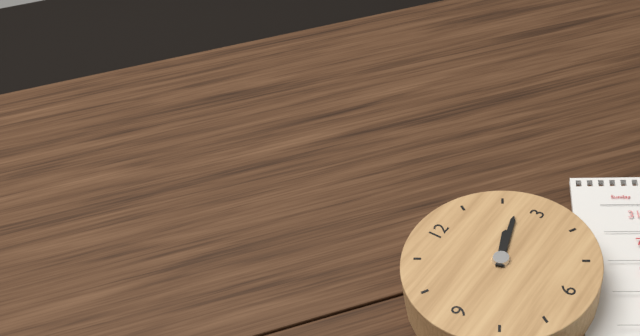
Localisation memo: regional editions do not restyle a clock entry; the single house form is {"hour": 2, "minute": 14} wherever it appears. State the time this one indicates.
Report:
{"hour": 2, "minute": 12}
